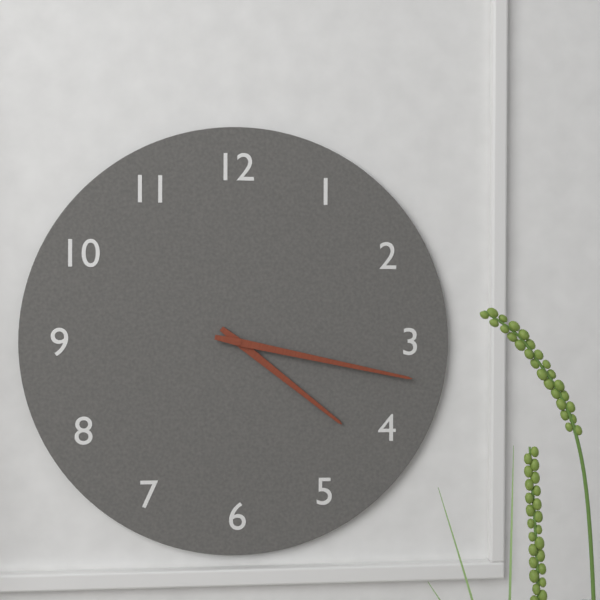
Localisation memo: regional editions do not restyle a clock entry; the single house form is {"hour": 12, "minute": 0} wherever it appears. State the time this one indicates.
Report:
{"hour": 4, "minute": 17}
